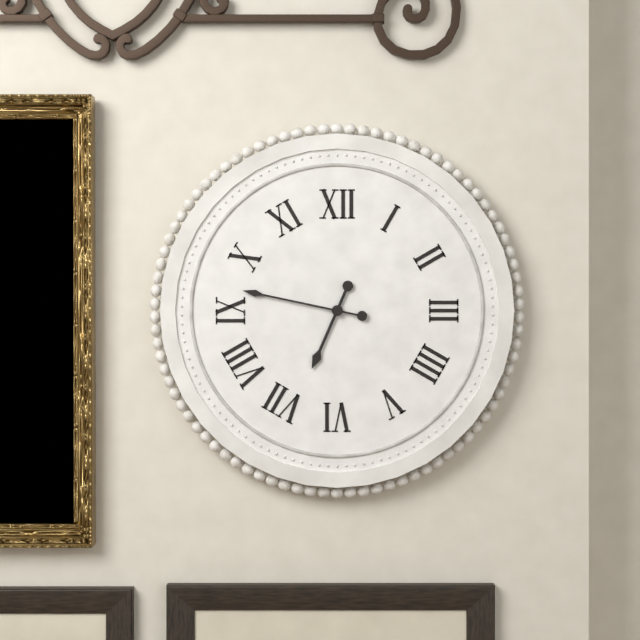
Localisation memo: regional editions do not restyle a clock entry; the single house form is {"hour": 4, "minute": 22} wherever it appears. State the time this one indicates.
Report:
{"hour": 6, "minute": 47}
